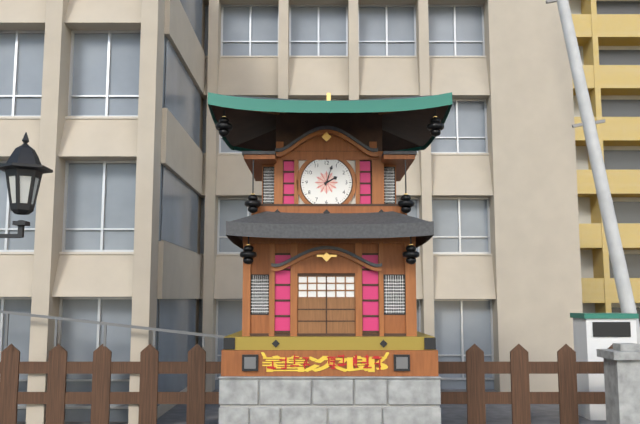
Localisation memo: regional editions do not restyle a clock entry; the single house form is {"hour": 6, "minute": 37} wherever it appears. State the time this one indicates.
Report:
{"hour": 2, "minute": 3}
